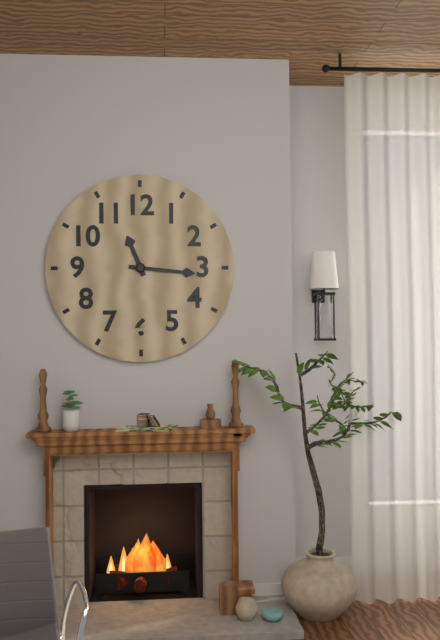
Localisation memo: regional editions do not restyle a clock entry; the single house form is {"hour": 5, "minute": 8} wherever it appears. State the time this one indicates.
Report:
{"hour": 11, "minute": 16}
